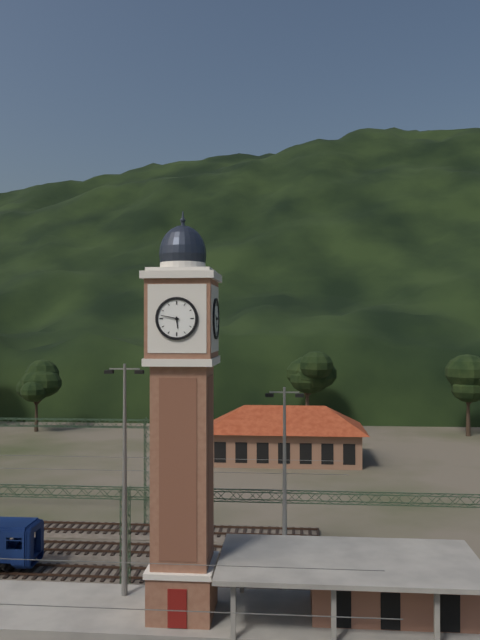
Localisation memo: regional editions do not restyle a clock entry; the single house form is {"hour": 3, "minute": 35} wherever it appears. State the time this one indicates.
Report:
{"hour": 5, "minute": 47}
